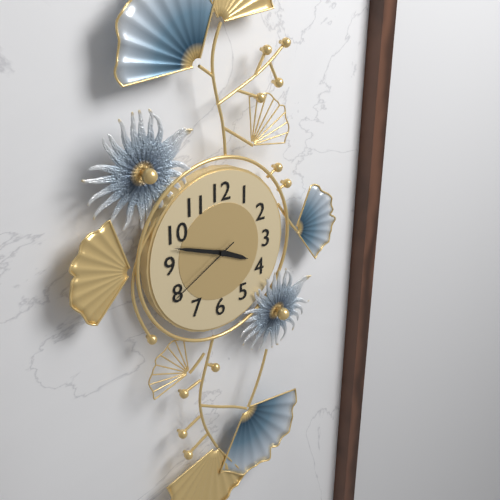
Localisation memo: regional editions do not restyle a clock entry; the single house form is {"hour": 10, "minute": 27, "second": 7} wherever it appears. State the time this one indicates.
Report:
{"hour": 3, "minute": 48, "second": 40}
